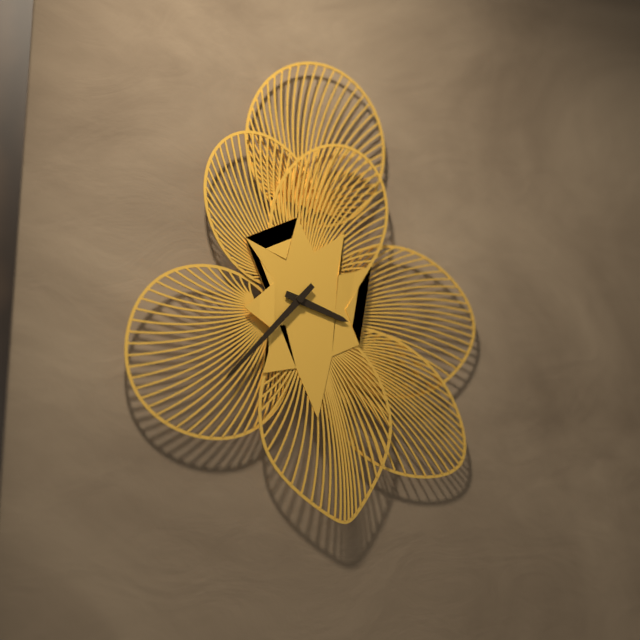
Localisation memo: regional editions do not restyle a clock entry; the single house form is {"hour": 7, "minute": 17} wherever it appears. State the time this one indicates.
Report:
{"hour": 3, "minute": 37}
